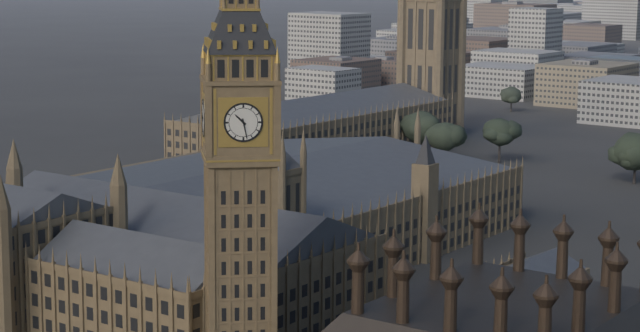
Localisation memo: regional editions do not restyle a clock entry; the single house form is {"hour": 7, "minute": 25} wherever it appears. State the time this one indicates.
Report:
{"hour": 10, "minute": 28}
